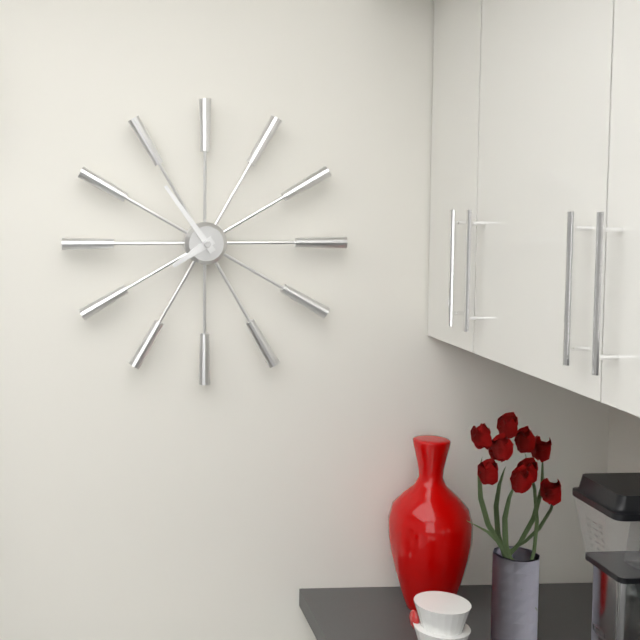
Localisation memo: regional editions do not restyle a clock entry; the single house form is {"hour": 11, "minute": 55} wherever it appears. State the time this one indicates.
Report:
{"hour": 7, "minute": 54}
